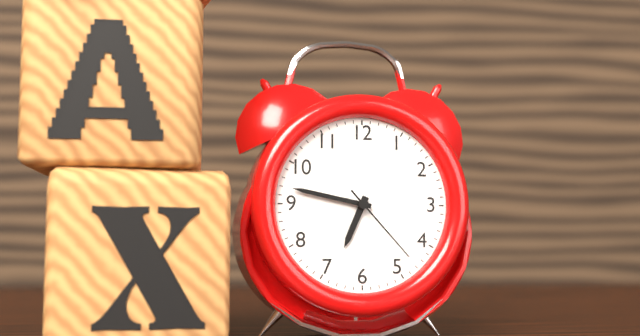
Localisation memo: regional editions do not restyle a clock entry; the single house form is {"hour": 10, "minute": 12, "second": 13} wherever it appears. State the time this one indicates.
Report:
{"hour": 6, "minute": 47, "second": 23}
